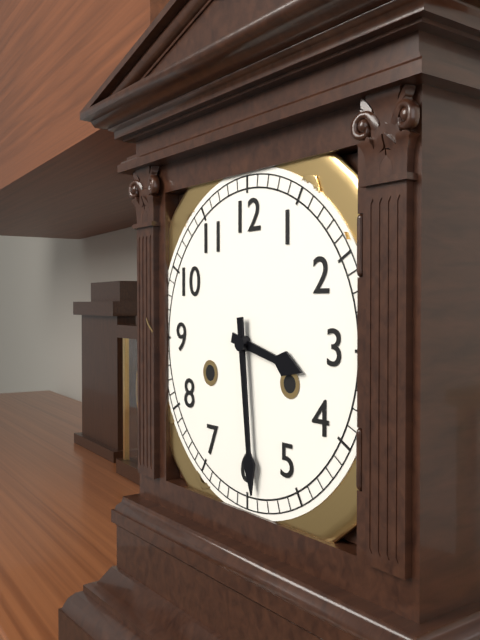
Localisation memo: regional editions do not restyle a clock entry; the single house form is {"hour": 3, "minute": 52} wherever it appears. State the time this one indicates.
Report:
{"hour": 3, "minute": 29}
